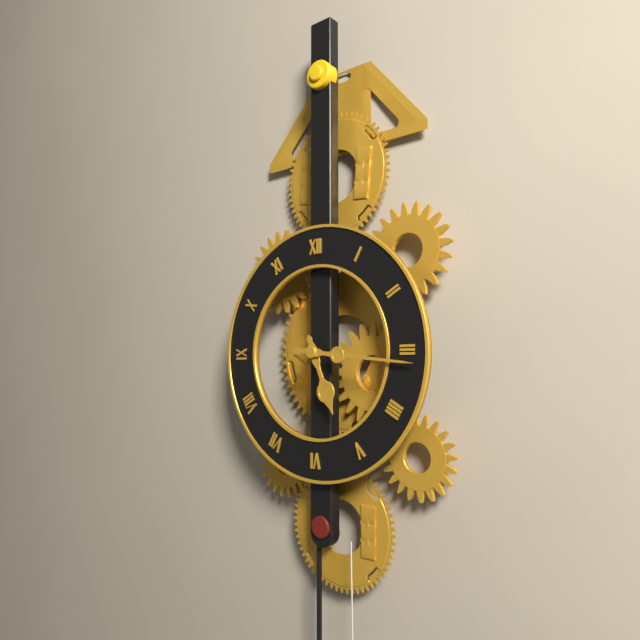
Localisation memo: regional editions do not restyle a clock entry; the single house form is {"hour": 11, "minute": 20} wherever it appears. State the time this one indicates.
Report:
{"hour": 5, "minute": 16}
